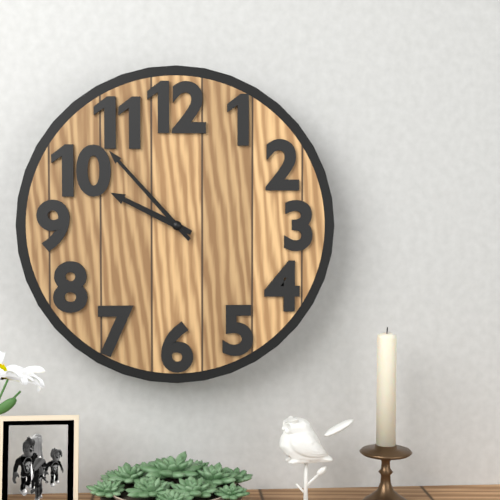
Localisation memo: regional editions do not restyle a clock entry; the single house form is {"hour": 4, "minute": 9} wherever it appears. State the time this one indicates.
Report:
{"hour": 9, "minute": 53}
